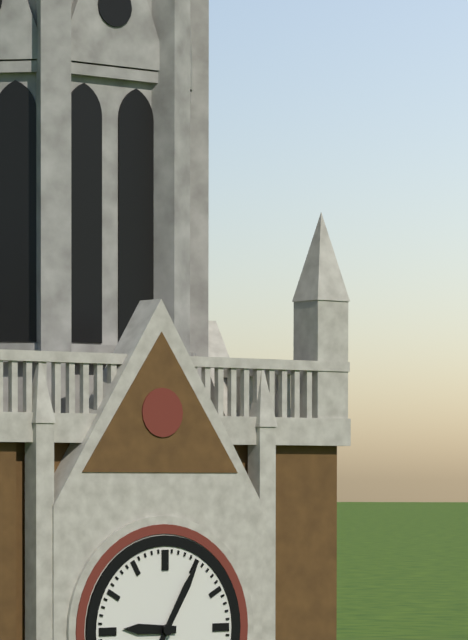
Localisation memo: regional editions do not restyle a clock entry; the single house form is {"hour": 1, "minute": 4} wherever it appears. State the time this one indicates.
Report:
{"hour": 9, "minute": 5}
